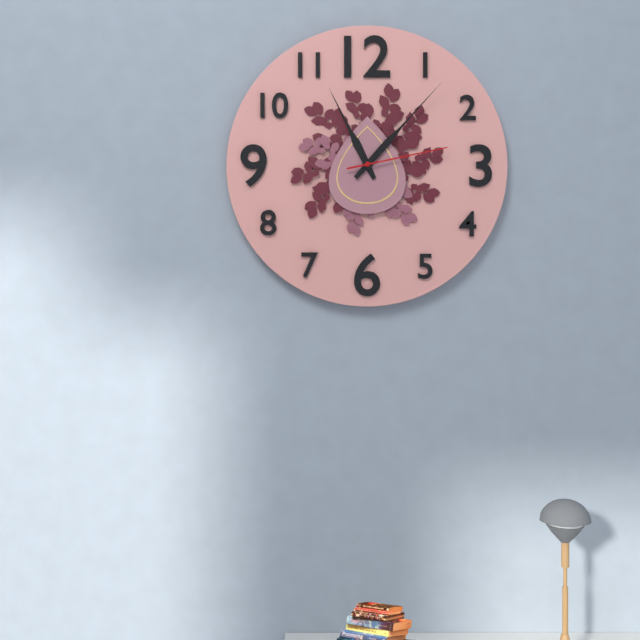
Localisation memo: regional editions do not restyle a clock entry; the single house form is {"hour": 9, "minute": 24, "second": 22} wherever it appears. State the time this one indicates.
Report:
{"hour": 11, "minute": 7, "second": 13}
